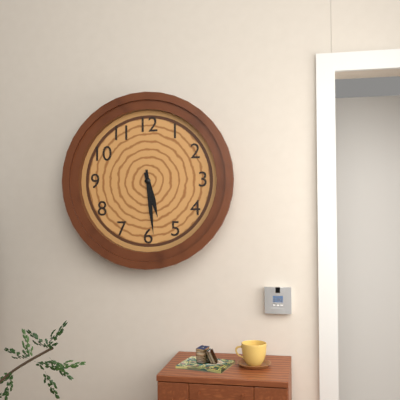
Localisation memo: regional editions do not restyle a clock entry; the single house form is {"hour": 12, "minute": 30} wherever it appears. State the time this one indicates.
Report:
{"hour": 5, "minute": 29}
